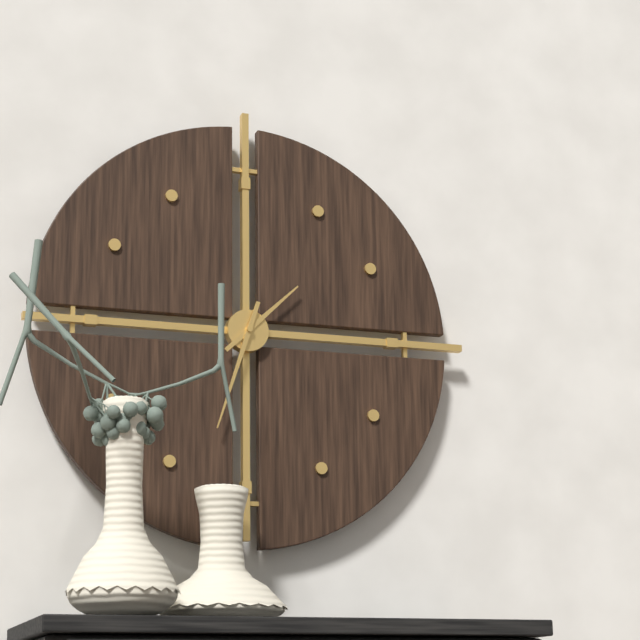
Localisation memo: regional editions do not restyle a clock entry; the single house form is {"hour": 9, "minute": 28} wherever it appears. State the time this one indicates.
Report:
{"hour": 1, "minute": 33}
